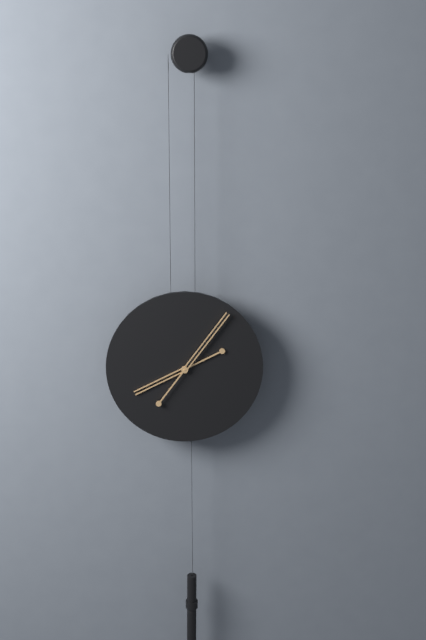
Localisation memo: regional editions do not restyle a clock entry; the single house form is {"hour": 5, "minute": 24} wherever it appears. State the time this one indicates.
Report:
{"hour": 8, "minute": 6}
